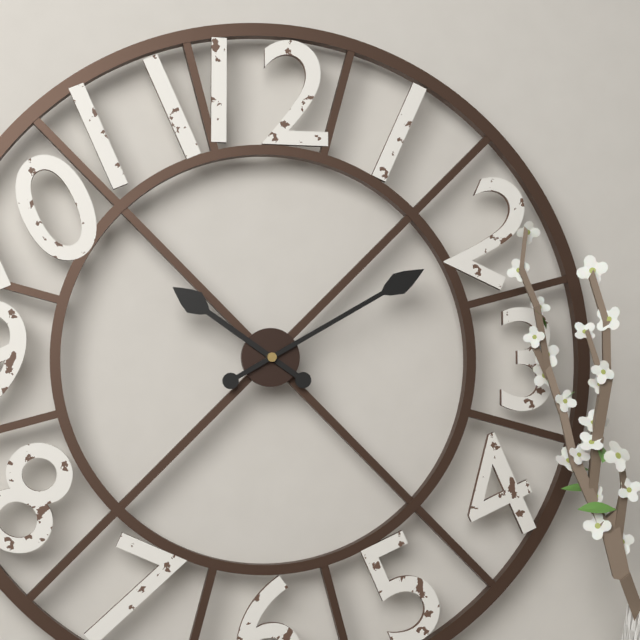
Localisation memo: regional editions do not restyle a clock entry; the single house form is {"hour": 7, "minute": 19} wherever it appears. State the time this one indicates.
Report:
{"hour": 10, "minute": 10}
